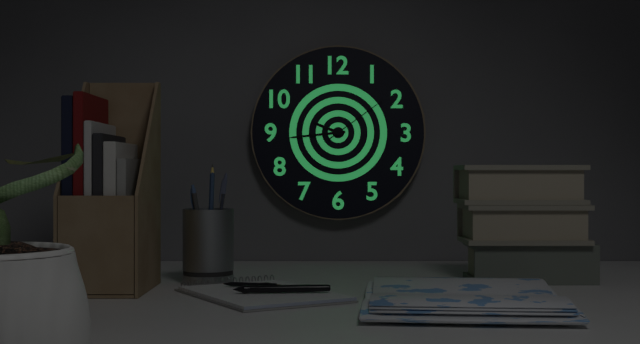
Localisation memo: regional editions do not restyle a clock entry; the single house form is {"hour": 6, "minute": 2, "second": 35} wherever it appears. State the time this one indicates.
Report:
{"hour": 9, "minute": 44, "second": 9}
